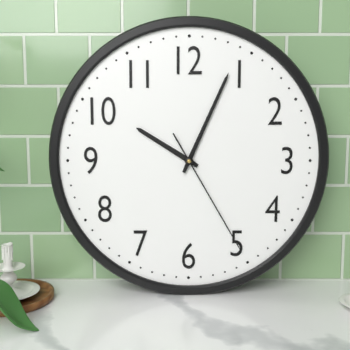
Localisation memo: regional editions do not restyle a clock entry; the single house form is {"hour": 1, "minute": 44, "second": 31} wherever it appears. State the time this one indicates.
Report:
{"hour": 10, "minute": 4, "second": 25}
